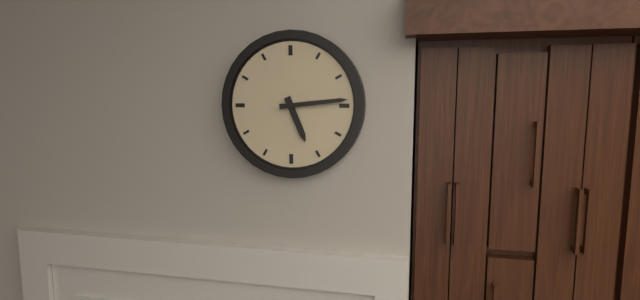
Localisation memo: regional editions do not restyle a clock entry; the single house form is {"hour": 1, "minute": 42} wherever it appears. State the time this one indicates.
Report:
{"hour": 5, "minute": 14}
